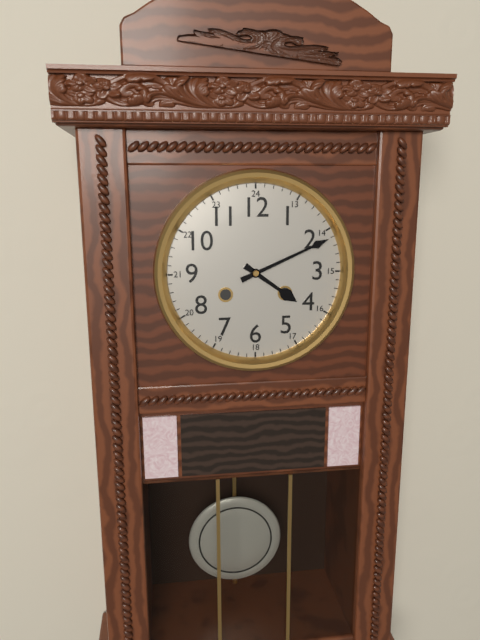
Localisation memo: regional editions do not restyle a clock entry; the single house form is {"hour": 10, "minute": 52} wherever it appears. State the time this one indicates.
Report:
{"hour": 4, "minute": 11}
